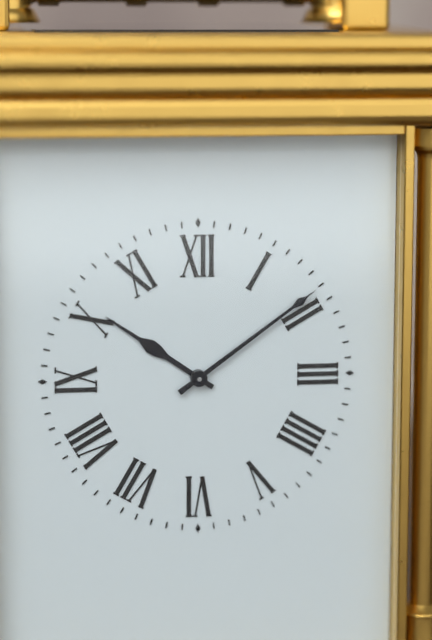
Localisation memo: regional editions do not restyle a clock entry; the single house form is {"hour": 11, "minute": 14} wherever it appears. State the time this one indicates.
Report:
{"hour": 10, "minute": 9}
